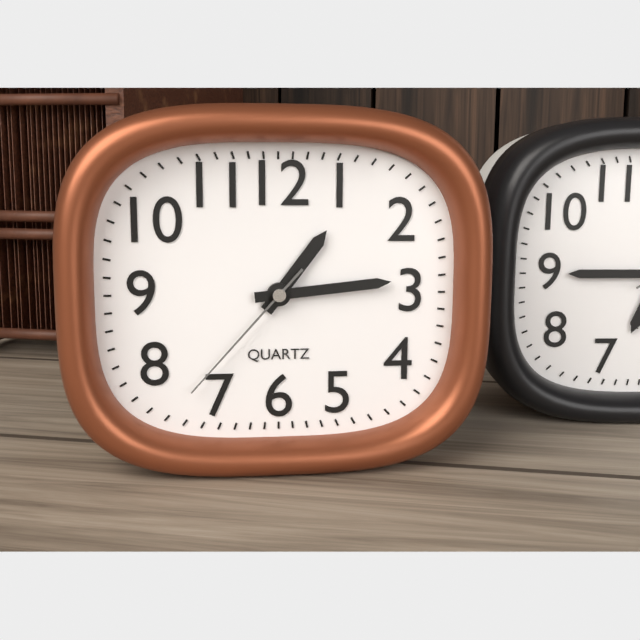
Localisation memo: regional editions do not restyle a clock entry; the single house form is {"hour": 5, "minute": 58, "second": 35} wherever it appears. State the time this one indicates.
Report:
{"hour": 1, "minute": 14, "second": 37}
